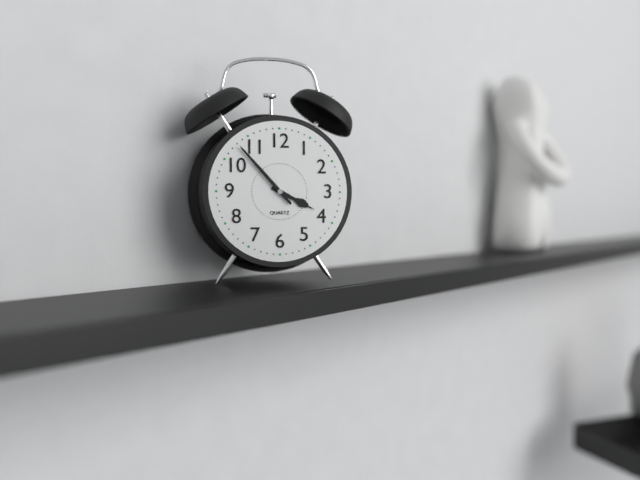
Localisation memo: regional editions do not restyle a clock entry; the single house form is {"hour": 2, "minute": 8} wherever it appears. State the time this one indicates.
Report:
{"hour": 3, "minute": 53}
